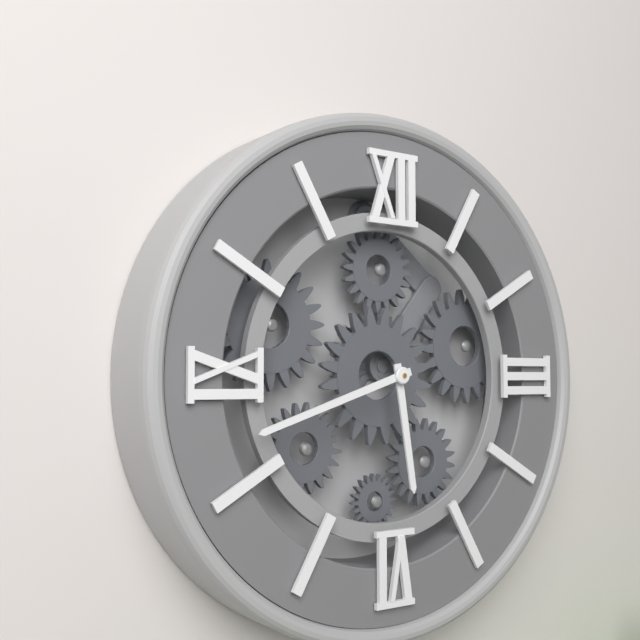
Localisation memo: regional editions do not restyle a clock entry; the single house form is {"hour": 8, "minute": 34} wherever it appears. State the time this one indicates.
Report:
{"hour": 5, "minute": 42}
